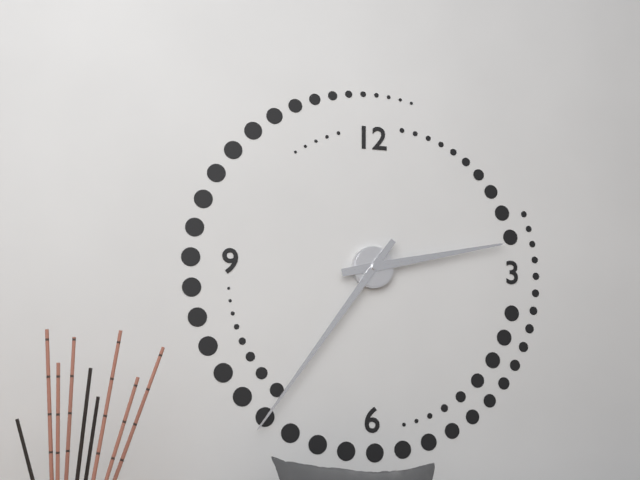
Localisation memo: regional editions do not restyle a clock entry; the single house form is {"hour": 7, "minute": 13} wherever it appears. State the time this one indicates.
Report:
{"hour": 2, "minute": 36}
